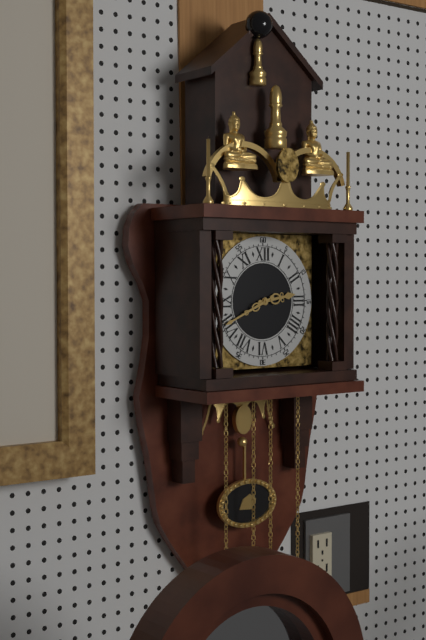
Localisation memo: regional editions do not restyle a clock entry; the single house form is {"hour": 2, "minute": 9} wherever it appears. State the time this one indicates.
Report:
{"hour": 2, "minute": 41}
